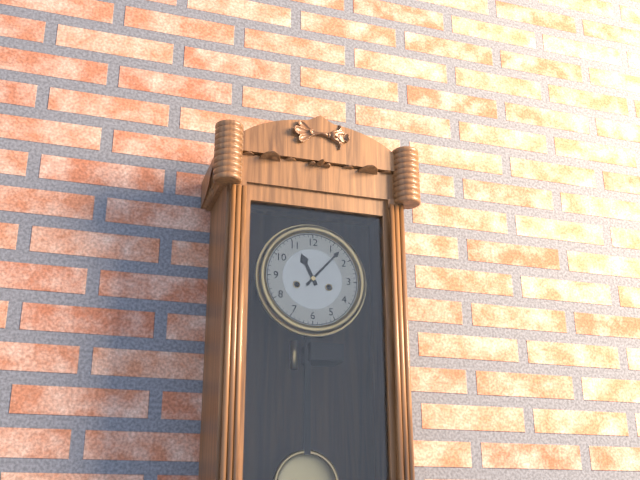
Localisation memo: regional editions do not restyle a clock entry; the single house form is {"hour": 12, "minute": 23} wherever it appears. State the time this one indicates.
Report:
{"hour": 11, "minute": 7}
